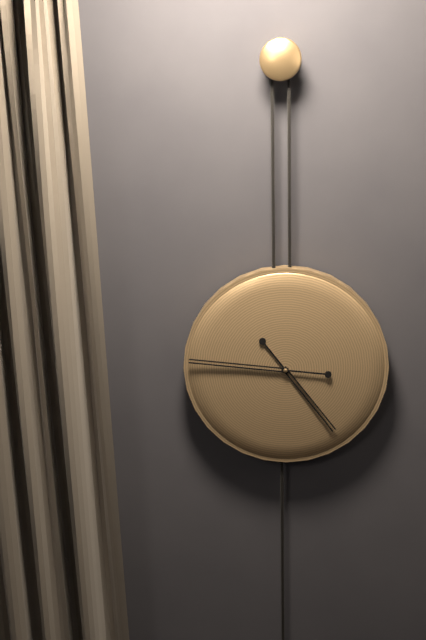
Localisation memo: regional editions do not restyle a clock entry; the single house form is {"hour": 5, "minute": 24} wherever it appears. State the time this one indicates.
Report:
{"hour": 4, "minute": 46}
